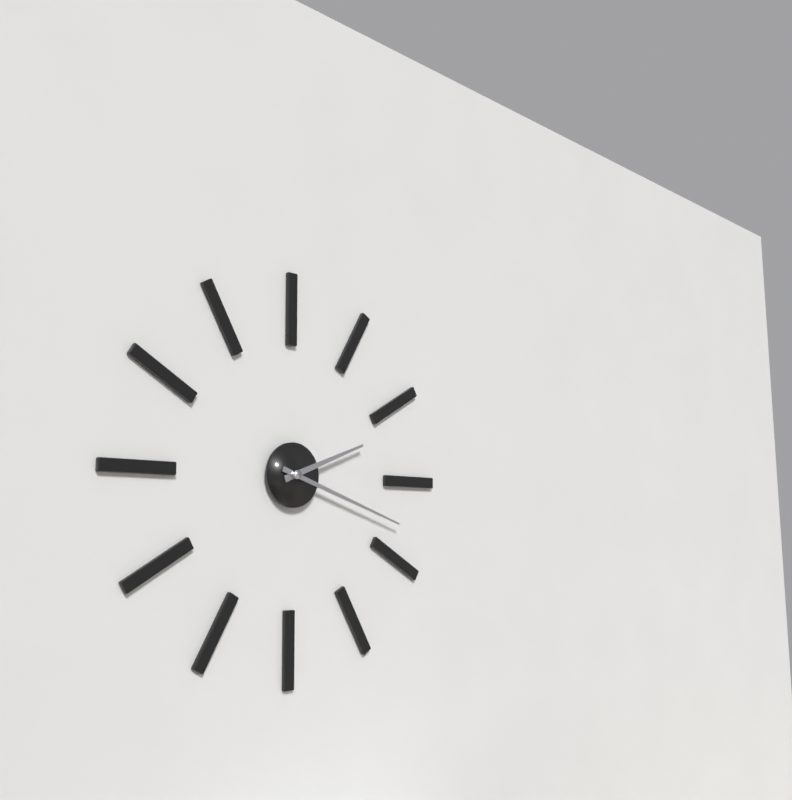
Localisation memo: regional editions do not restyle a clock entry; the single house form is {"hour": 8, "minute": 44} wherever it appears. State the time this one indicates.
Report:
{"hour": 2, "minute": 18}
